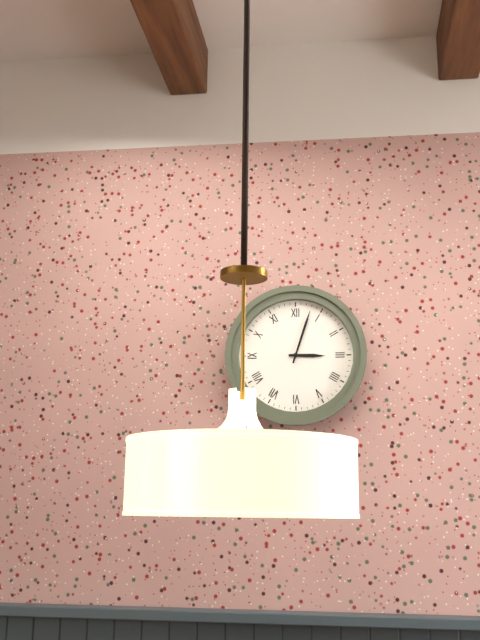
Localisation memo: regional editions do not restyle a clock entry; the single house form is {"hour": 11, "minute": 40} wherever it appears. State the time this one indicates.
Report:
{"hour": 3, "minute": 3}
